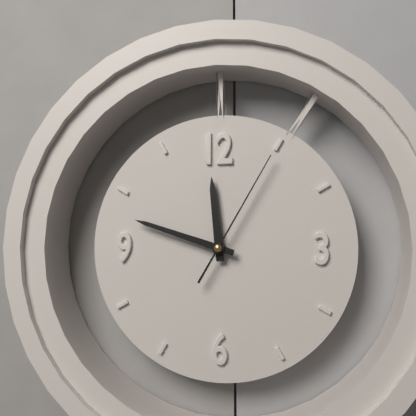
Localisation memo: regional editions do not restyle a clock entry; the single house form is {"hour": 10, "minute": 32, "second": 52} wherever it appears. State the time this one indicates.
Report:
{"hour": 11, "minute": 48, "second": 5}
